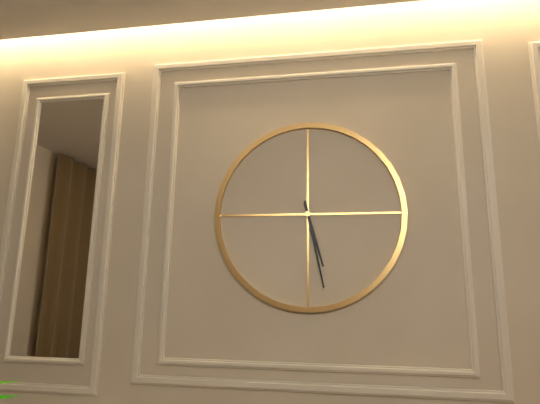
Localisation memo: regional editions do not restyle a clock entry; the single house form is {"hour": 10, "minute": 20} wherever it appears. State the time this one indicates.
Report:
{"hour": 5, "minute": 28}
